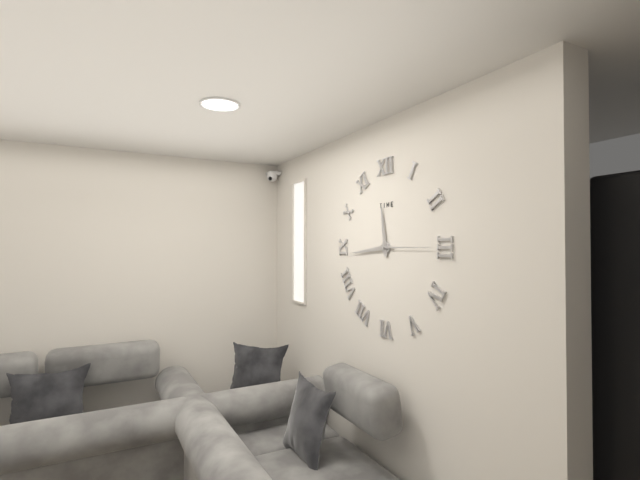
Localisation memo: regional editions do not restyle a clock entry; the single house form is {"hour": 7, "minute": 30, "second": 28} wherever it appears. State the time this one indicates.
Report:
{"hour": 11, "minute": 44, "second": 15}
